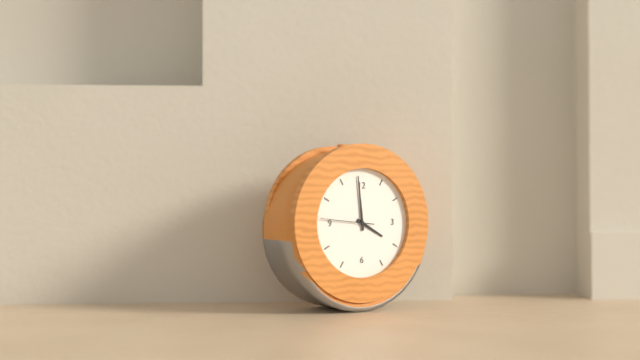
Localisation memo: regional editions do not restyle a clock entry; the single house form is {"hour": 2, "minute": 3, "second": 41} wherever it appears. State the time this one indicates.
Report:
{"hour": 3, "minute": 59, "second": 46}
